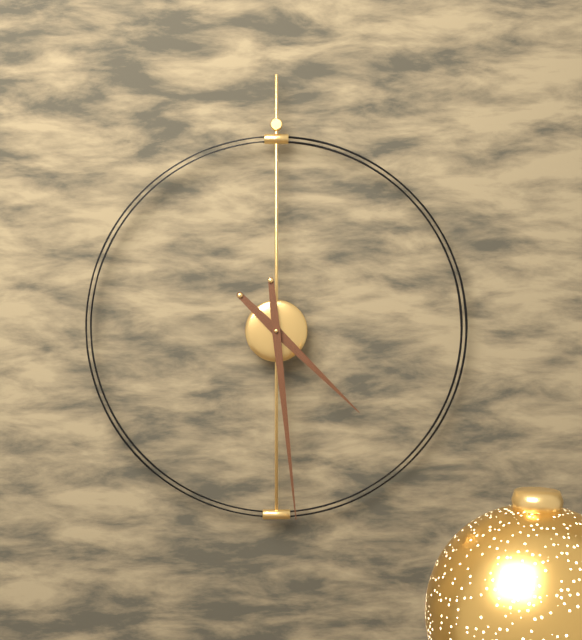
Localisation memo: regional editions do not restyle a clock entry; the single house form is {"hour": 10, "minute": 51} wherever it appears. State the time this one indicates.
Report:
{"hour": 4, "minute": 29}
